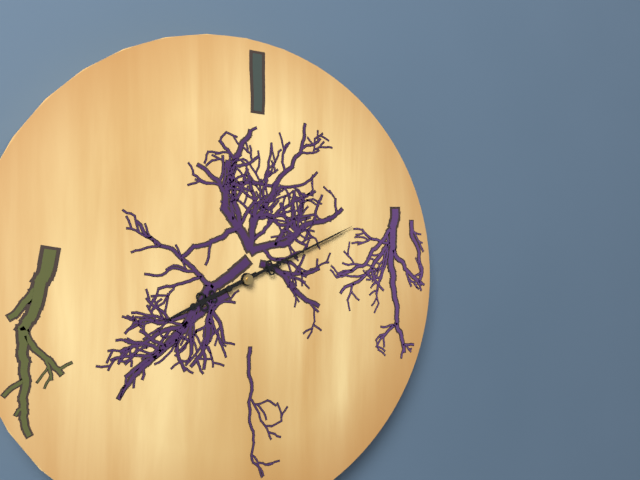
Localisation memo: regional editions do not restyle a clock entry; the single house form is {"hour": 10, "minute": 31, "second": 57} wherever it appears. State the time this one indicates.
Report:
{"hour": 8, "minute": 11, "second": 11}
